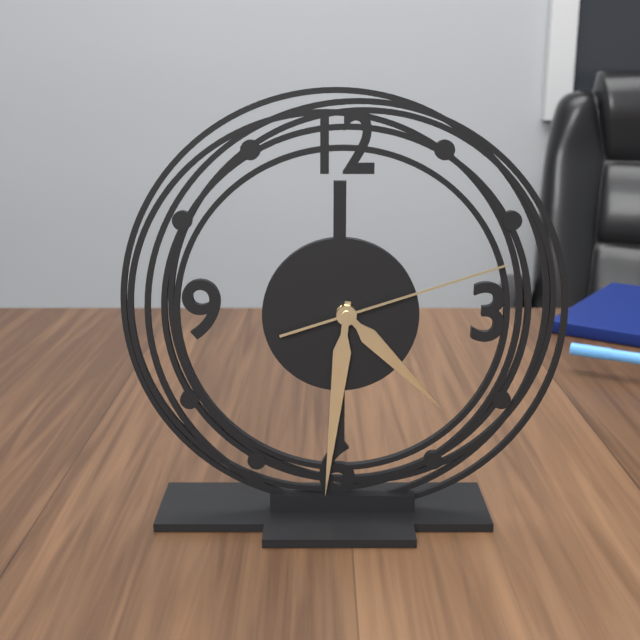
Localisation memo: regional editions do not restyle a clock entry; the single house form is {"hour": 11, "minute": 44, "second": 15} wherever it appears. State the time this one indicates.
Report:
{"hour": 4, "minute": 31, "second": 12}
